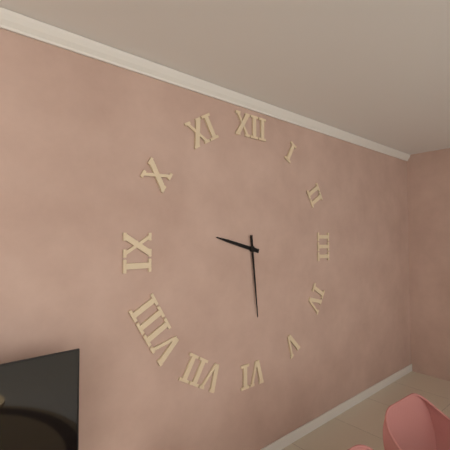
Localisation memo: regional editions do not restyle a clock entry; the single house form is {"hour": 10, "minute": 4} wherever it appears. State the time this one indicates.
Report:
{"hour": 9, "minute": 29}
